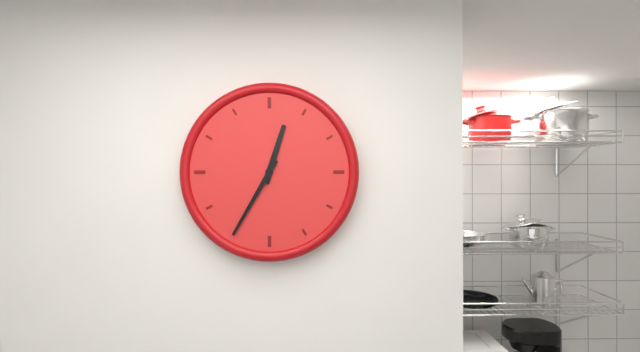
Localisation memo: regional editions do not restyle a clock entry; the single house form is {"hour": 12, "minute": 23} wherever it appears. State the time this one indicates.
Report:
{"hour": 12, "minute": 35}
